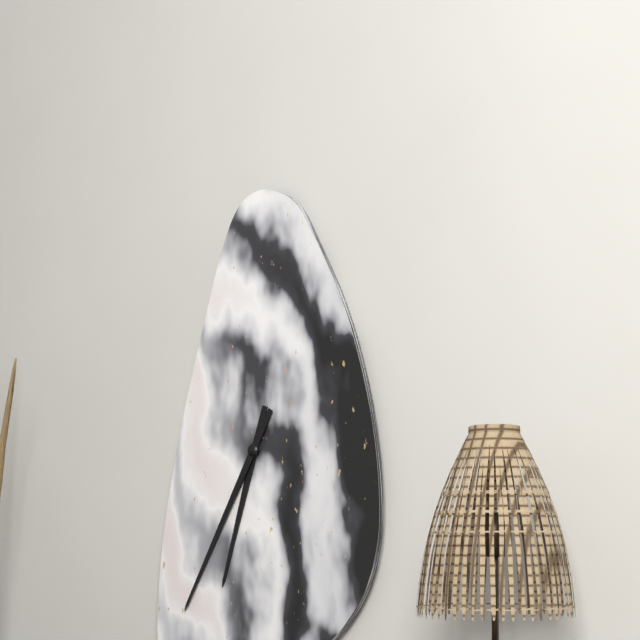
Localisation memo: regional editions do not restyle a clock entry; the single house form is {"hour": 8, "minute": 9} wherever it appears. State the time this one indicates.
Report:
{"hour": 6, "minute": 35}
